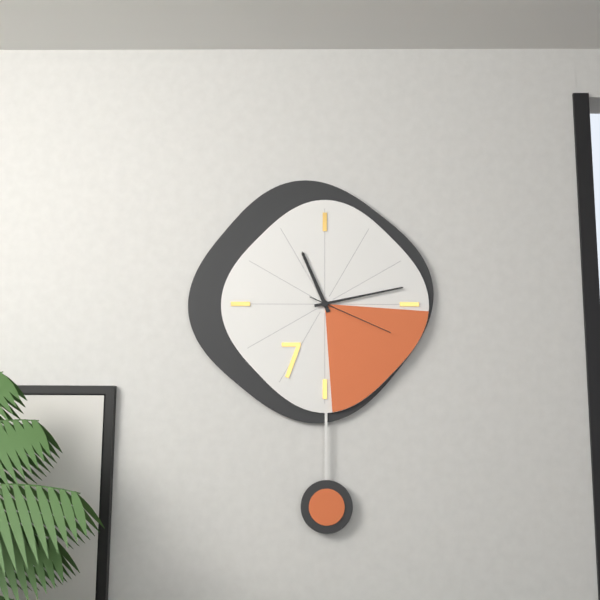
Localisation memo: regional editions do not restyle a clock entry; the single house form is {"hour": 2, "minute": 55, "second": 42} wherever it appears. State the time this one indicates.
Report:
{"hour": 11, "minute": 13, "second": 19}
